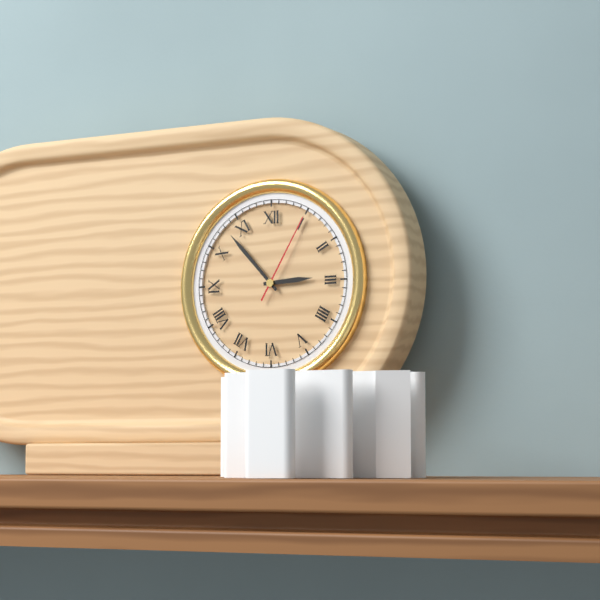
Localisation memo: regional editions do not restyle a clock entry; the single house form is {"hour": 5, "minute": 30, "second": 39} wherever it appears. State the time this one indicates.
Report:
{"hour": 2, "minute": 53, "second": 5}
